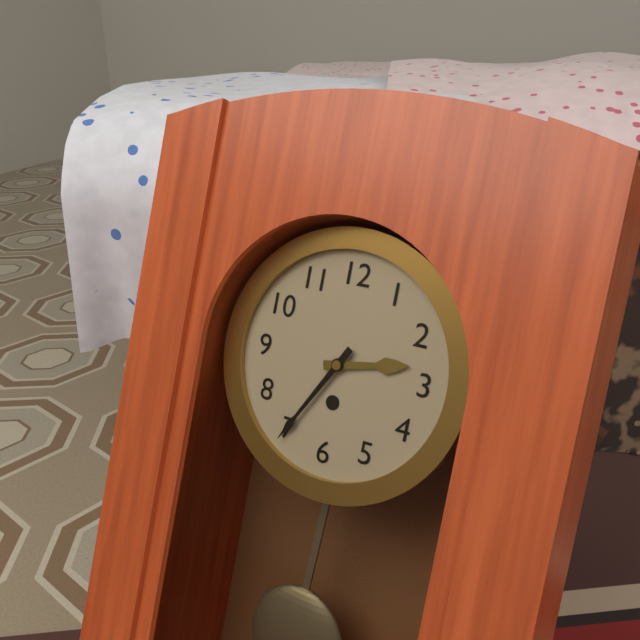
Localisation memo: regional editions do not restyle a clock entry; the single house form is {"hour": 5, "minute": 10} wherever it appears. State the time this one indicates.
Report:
{"hour": 2, "minute": 35}
